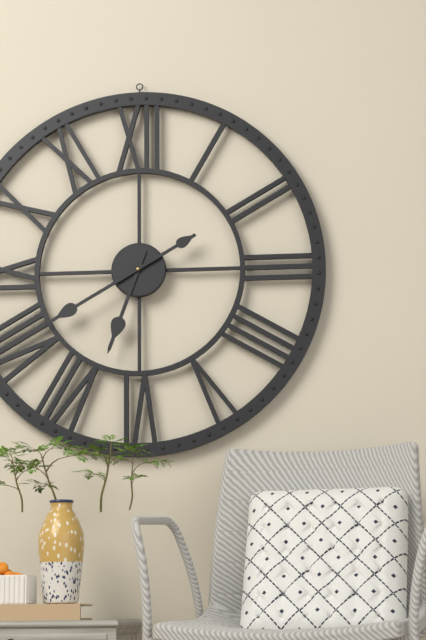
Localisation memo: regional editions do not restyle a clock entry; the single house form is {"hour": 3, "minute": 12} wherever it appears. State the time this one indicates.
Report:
{"hour": 6, "minute": 40}
